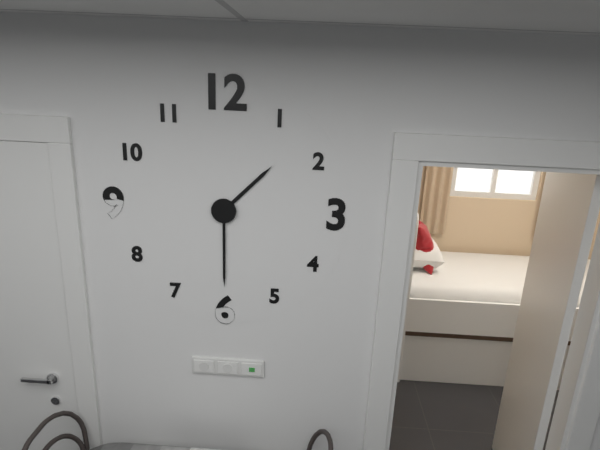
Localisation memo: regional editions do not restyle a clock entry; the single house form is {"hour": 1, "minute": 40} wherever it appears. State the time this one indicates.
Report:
{"hour": 1, "minute": 30}
